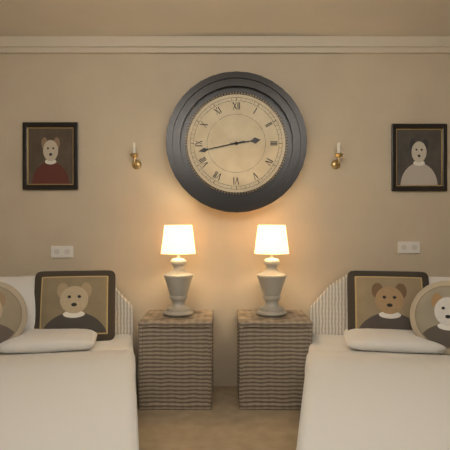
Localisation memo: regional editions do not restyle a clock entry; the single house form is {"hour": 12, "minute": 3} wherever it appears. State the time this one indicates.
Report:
{"hour": 2, "minute": 43}
